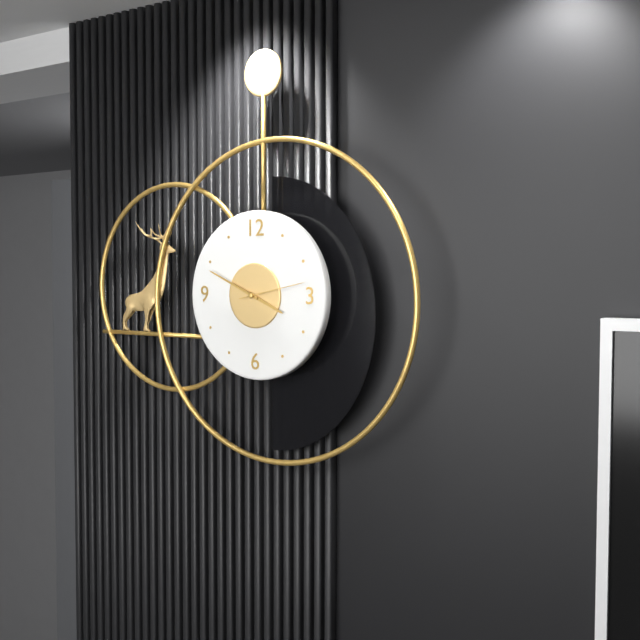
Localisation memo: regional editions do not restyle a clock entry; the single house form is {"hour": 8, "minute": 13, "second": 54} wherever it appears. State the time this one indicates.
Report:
{"hour": 3, "minute": 49, "second": 13}
